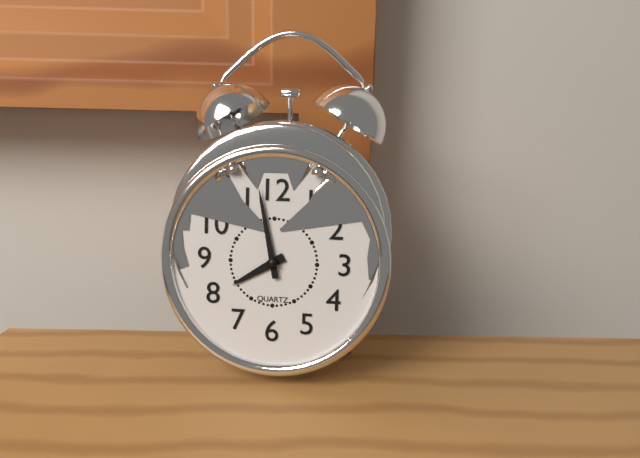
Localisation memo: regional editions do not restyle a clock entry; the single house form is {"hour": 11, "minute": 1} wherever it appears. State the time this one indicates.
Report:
{"hour": 7, "minute": 58}
